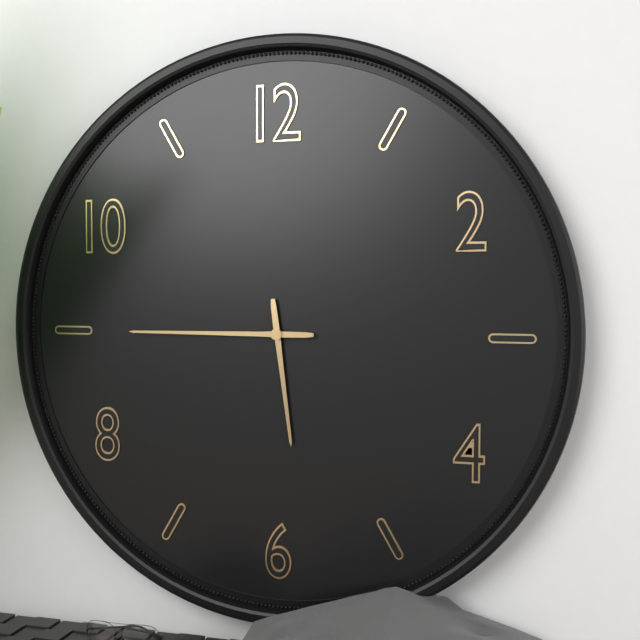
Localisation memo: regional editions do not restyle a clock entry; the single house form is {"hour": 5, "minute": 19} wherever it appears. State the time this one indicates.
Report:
{"hour": 5, "minute": 45}
